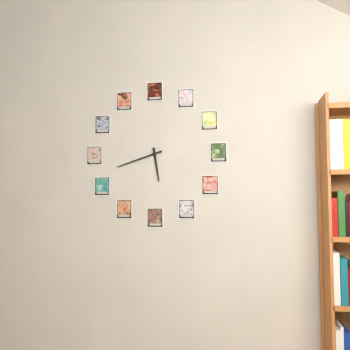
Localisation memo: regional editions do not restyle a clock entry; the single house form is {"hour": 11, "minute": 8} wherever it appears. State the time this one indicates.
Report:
{"hour": 5, "minute": 42}
